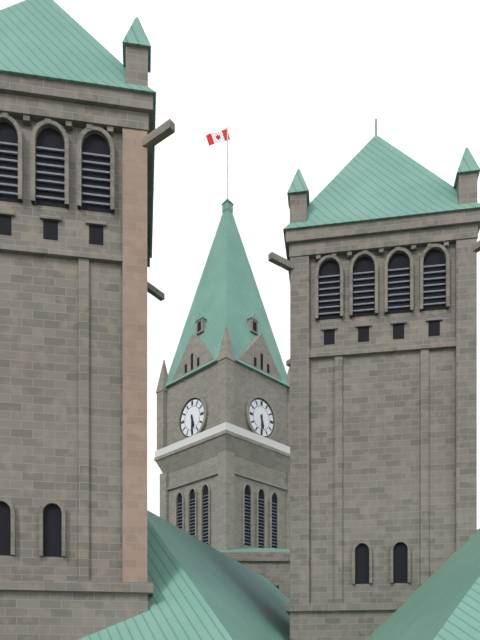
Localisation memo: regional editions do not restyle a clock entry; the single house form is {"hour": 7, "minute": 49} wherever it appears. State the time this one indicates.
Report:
{"hour": 5, "minute": 30}
